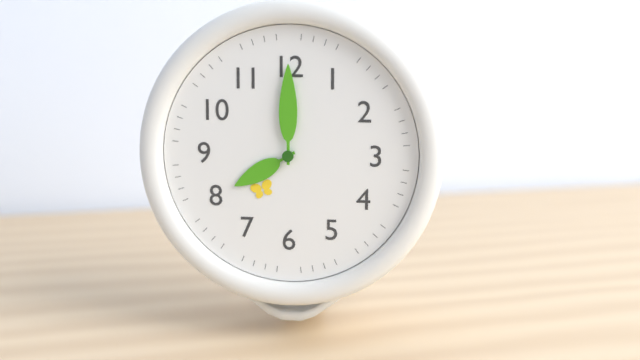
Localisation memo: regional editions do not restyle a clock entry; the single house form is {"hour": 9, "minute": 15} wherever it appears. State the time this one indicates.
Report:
{"hour": 8, "minute": 0}
